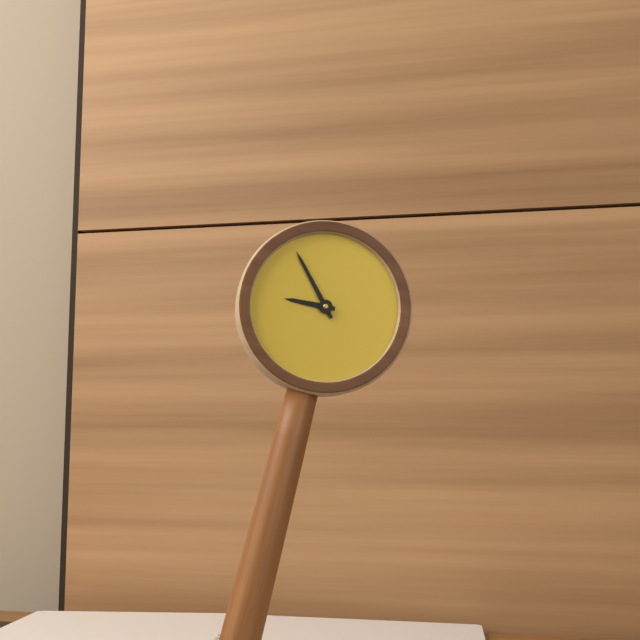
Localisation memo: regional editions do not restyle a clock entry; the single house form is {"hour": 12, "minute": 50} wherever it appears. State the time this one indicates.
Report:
{"hour": 8, "minute": 53}
